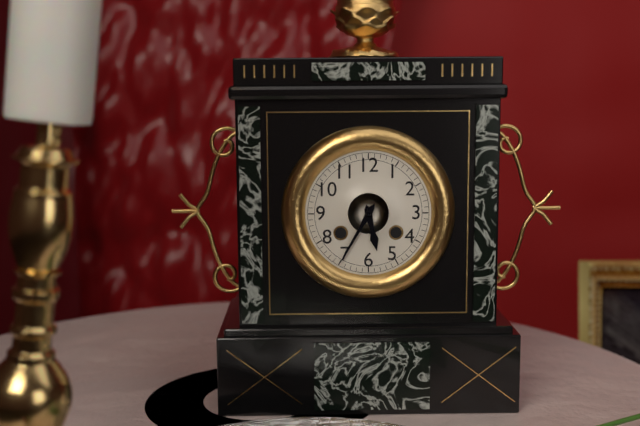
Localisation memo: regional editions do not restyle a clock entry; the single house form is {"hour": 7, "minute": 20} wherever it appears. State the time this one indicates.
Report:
{"hour": 5, "minute": 35}
